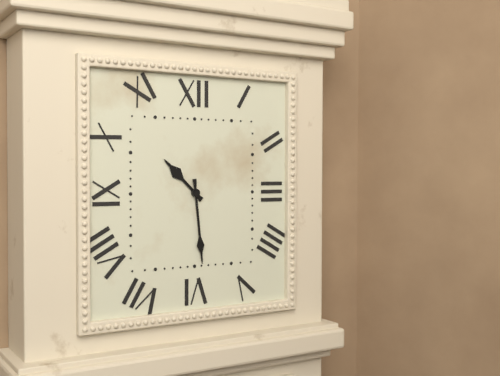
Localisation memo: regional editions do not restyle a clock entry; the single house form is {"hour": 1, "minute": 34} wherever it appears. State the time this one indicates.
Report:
{"hour": 10, "minute": 29}
